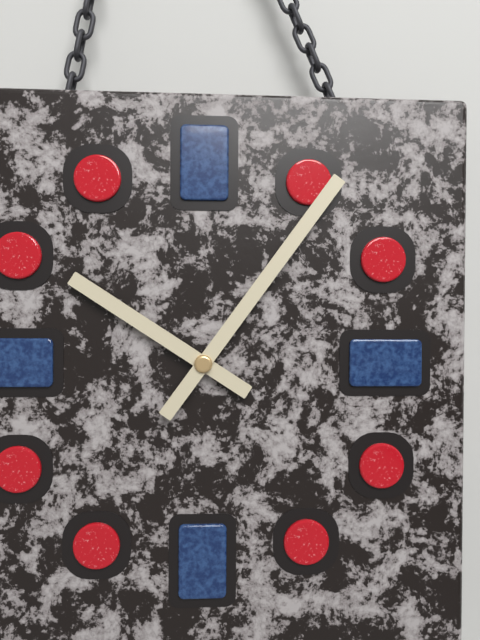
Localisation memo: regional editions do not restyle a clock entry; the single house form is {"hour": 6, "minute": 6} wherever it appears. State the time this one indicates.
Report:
{"hour": 10, "minute": 6}
